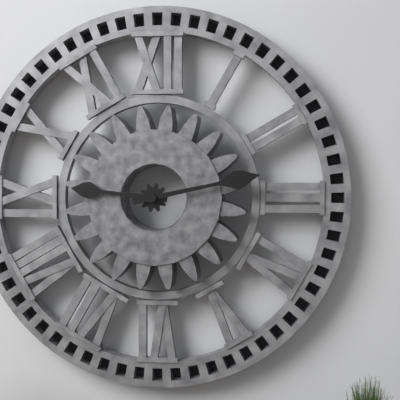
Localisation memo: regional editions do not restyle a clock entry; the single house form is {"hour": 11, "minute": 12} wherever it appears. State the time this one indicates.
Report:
{"hour": 9, "minute": 13}
